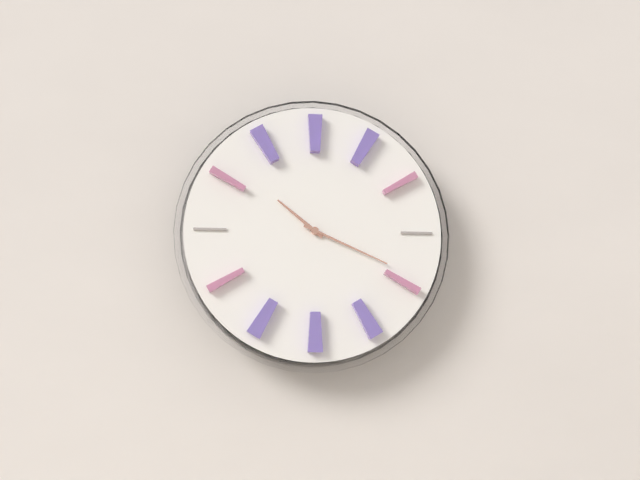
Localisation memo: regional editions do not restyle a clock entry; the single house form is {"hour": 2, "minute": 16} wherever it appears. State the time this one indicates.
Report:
{"hour": 10, "minute": 19}
